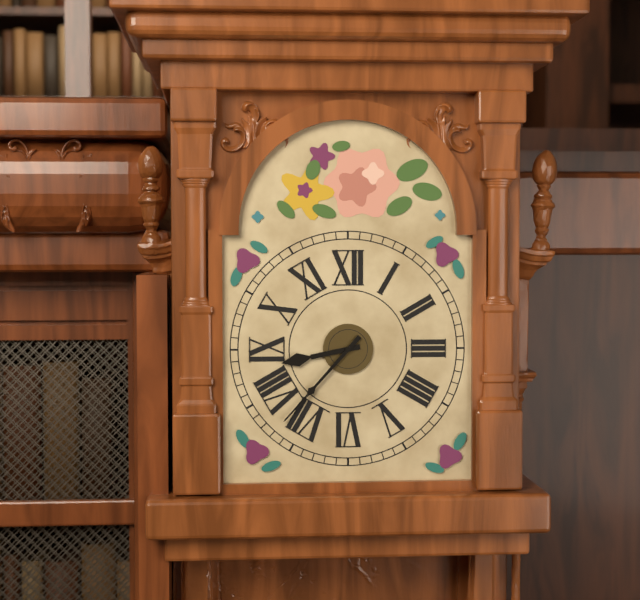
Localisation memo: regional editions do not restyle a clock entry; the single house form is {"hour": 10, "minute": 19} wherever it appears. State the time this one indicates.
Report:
{"hour": 8, "minute": 37}
